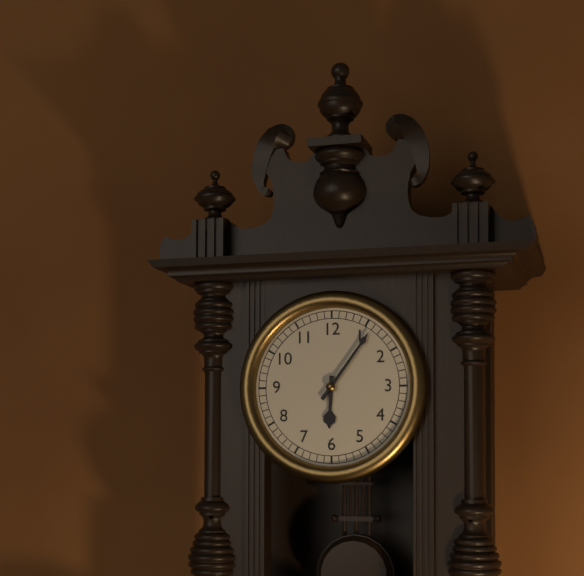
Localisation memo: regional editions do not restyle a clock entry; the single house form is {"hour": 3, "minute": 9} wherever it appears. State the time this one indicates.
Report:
{"hour": 6, "minute": 6}
